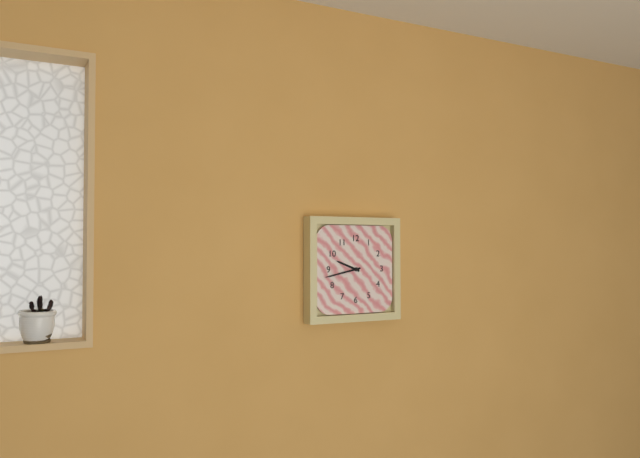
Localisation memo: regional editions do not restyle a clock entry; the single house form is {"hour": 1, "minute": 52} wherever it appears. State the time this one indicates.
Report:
{"hour": 9, "minute": 43}
